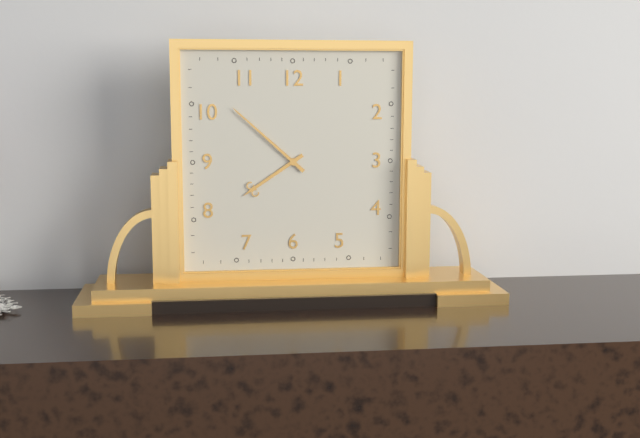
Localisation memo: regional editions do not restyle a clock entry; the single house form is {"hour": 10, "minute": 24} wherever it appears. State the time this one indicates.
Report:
{"hour": 7, "minute": 52}
